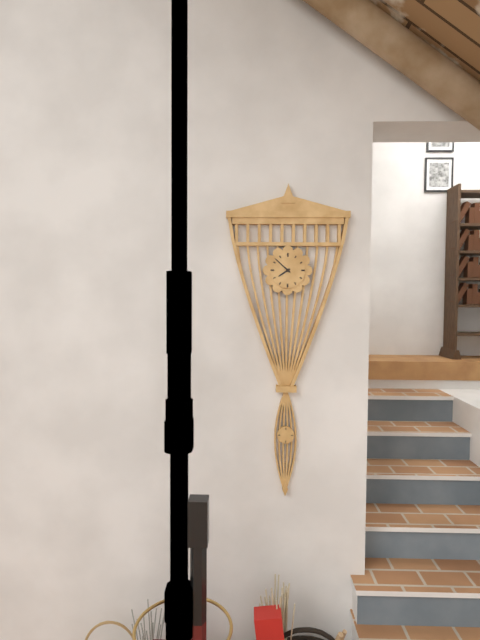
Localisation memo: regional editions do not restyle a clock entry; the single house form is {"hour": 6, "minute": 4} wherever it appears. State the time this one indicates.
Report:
{"hour": 7, "minute": 52}
